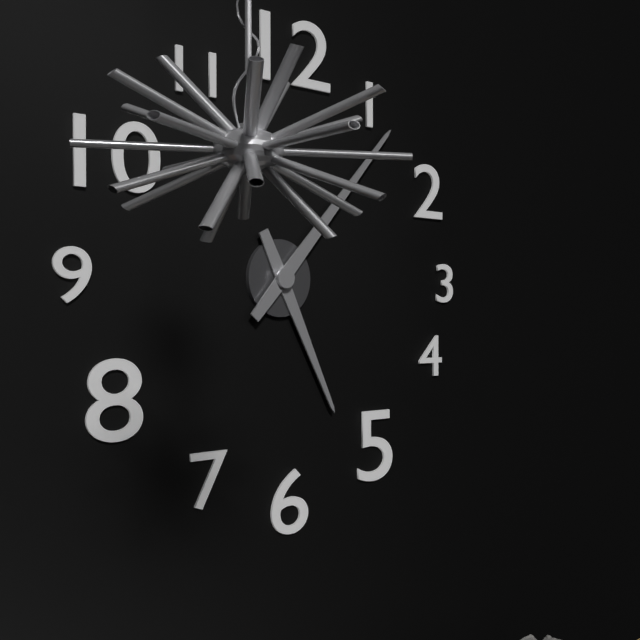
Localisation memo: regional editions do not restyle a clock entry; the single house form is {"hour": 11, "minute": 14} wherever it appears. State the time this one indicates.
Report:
{"hour": 5, "minute": 7}
